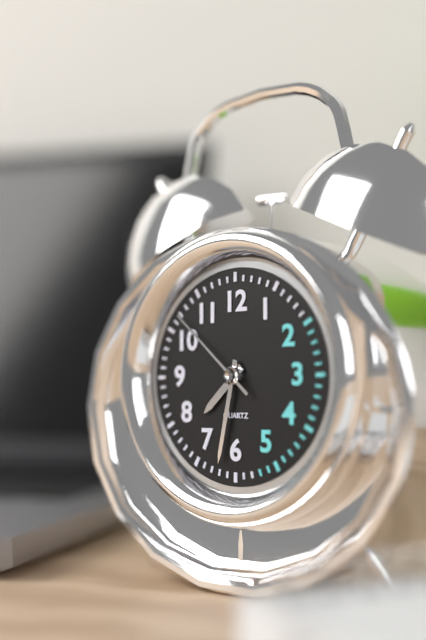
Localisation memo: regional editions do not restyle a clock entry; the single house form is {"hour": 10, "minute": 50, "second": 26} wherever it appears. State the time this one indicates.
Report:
{"hour": 7, "minute": 32, "second": 52}
